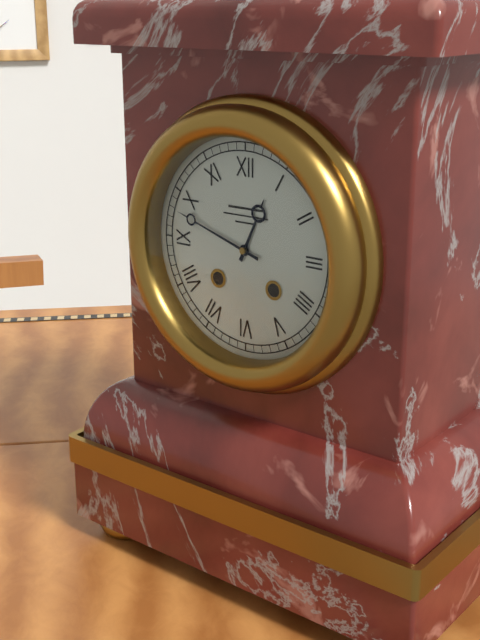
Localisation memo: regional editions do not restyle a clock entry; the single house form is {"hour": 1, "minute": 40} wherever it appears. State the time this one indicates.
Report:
{"hour": 12, "minute": 48}
